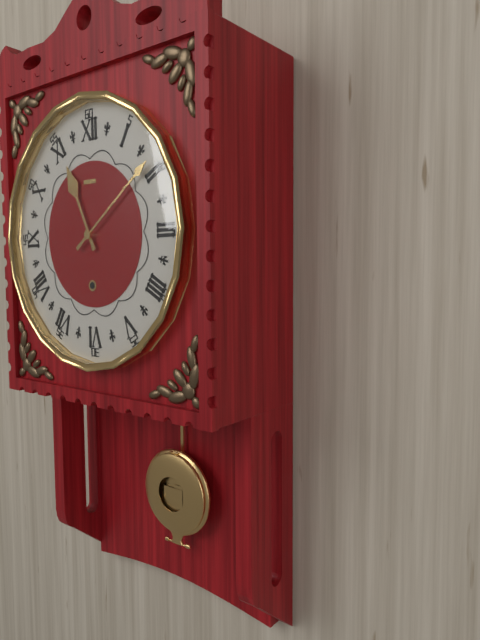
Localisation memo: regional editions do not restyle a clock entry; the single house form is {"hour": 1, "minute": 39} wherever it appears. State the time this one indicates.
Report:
{"hour": 11, "minute": 9}
